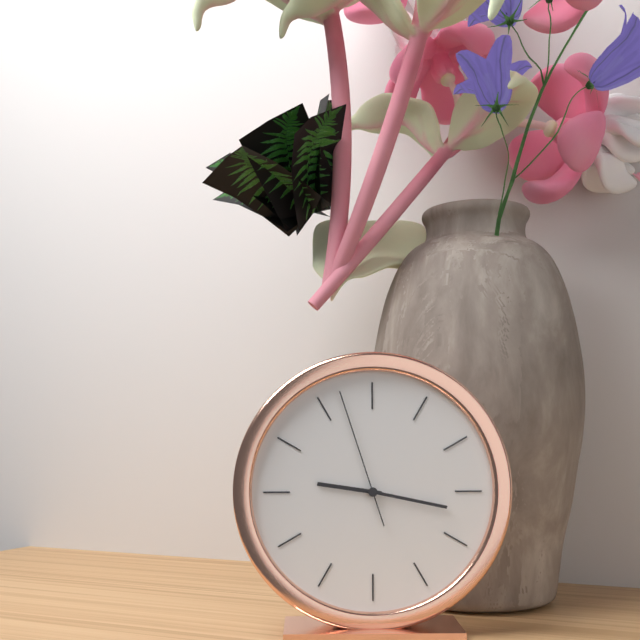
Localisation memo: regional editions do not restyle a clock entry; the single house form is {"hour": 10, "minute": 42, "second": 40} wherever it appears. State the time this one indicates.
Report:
{"hour": 9, "minute": 17, "second": 57}
